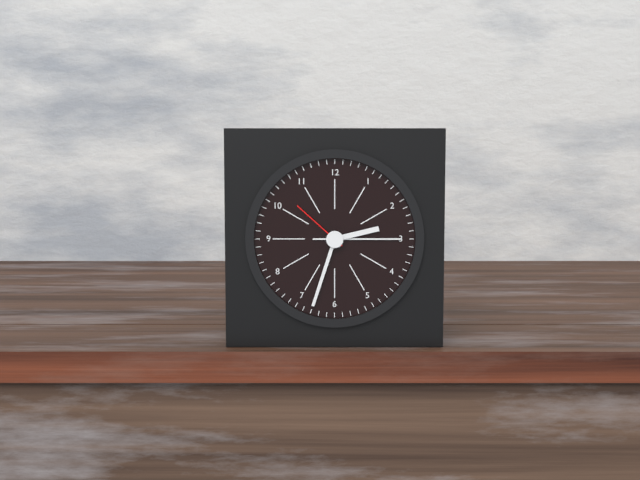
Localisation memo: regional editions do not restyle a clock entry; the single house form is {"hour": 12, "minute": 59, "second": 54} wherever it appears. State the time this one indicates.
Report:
{"hour": 2, "minute": 33, "second": 52}
